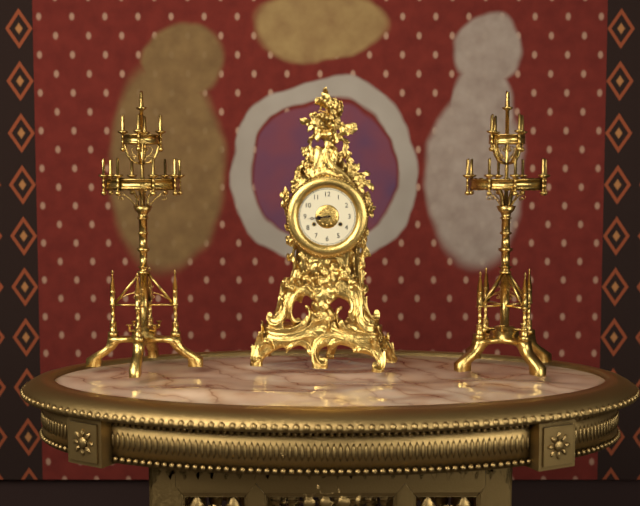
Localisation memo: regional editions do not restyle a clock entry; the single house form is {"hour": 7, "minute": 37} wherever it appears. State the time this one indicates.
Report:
{"hour": 8, "minute": 44}
